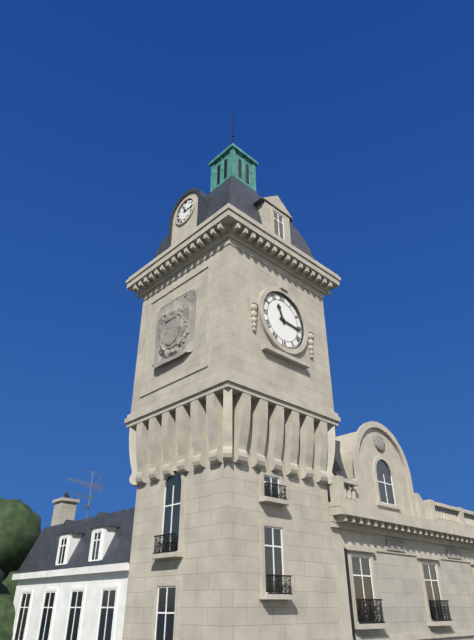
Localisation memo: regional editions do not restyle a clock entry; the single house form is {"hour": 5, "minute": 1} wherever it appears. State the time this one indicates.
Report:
{"hour": 11, "minute": 16}
